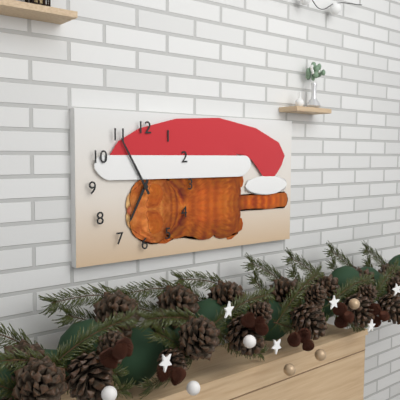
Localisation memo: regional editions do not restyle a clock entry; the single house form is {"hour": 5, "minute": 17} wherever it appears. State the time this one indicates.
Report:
{"hour": 6, "minute": 55}
